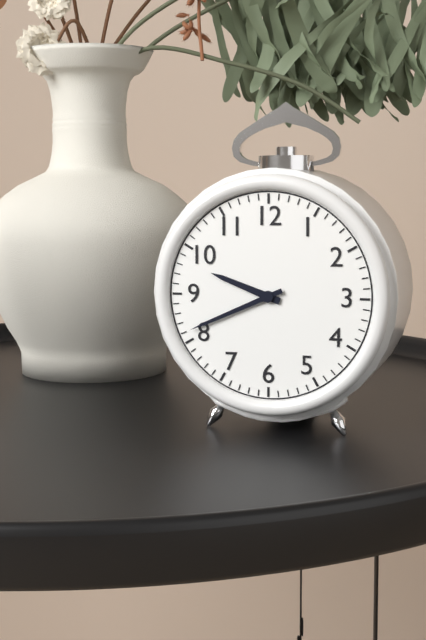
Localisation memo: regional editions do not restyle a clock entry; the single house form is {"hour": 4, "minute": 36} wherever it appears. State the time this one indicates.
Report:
{"hour": 9, "minute": 41}
